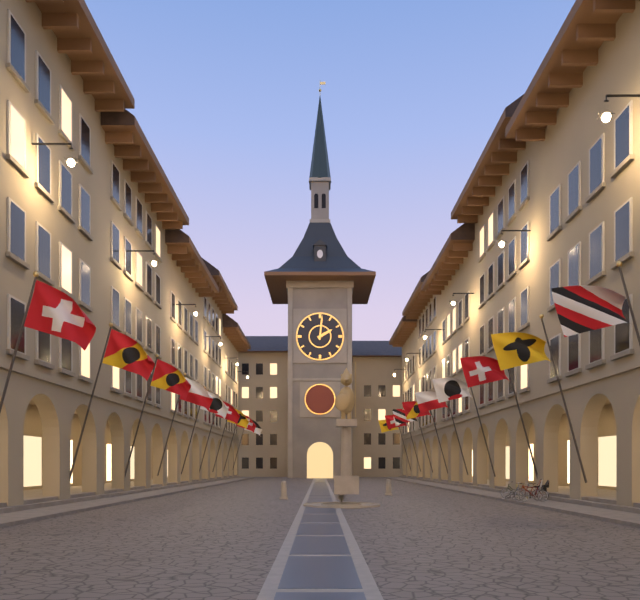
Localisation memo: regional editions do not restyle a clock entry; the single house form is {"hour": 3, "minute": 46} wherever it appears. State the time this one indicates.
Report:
{"hour": 2, "minute": 1}
